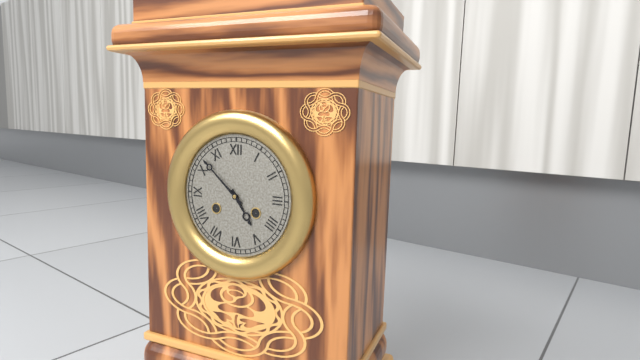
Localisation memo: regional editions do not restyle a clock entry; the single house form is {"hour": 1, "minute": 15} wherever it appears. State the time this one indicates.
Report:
{"hour": 4, "minute": 52}
